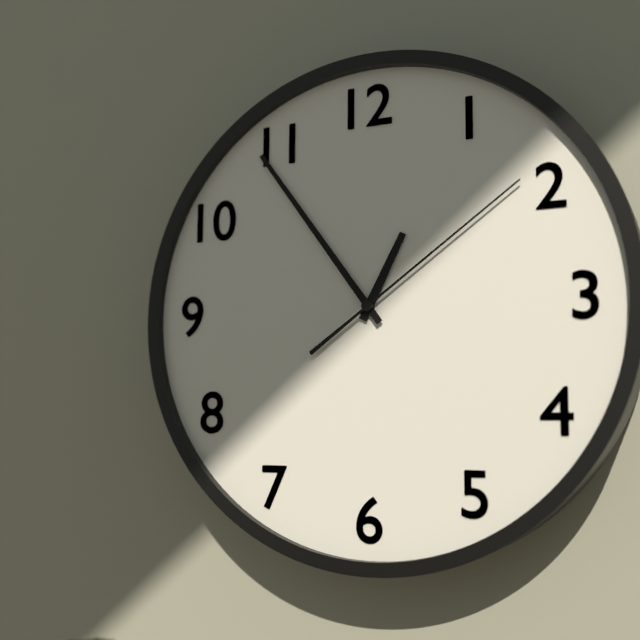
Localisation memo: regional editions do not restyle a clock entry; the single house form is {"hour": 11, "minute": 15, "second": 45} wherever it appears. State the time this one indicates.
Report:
{"hour": 12, "minute": 54, "second": 9}
